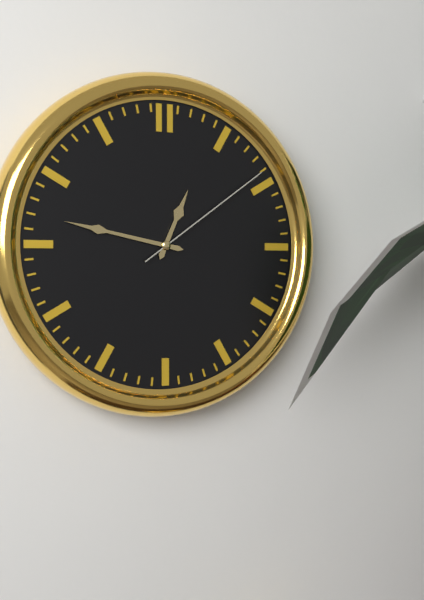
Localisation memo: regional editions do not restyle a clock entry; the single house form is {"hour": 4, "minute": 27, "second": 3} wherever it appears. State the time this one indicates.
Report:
{"hour": 12, "minute": 47, "second": 9}
